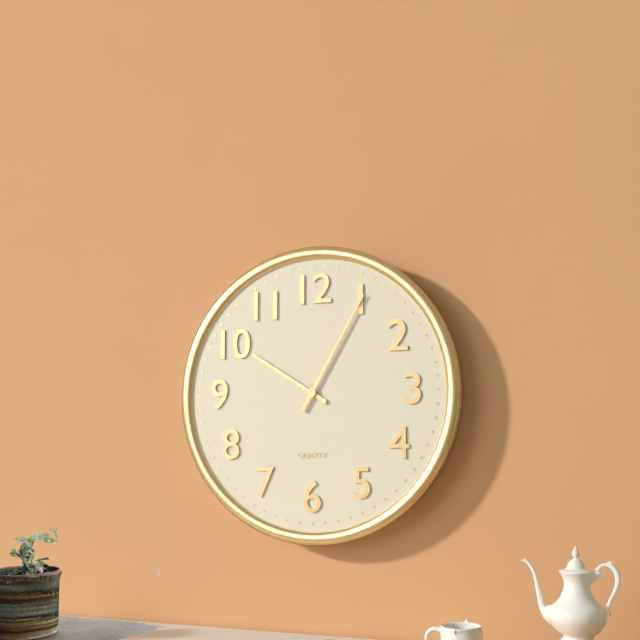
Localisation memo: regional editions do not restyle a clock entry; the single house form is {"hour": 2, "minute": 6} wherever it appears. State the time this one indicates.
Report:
{"hour": 10, "minute": 5}
